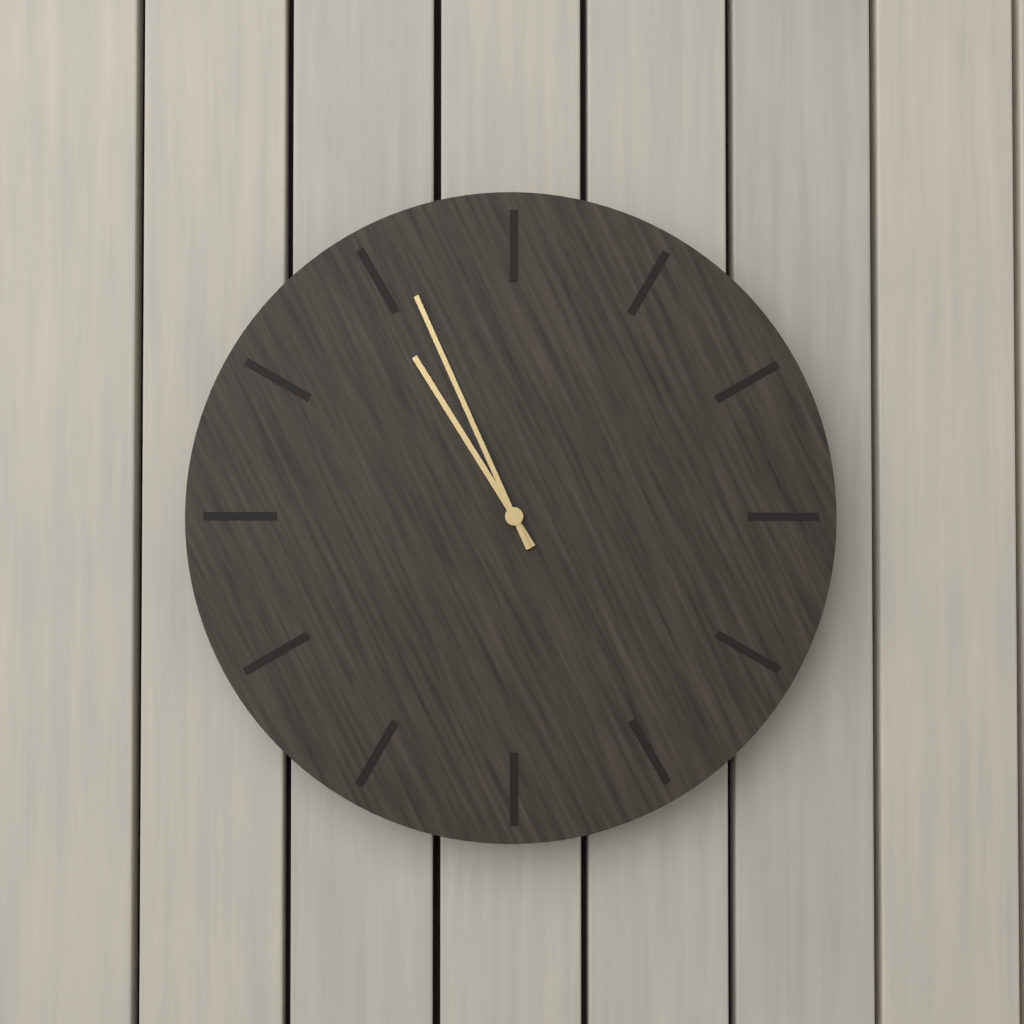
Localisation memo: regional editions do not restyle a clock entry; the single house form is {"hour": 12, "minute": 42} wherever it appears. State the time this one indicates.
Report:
{"hour": 10, "minute": 56}
